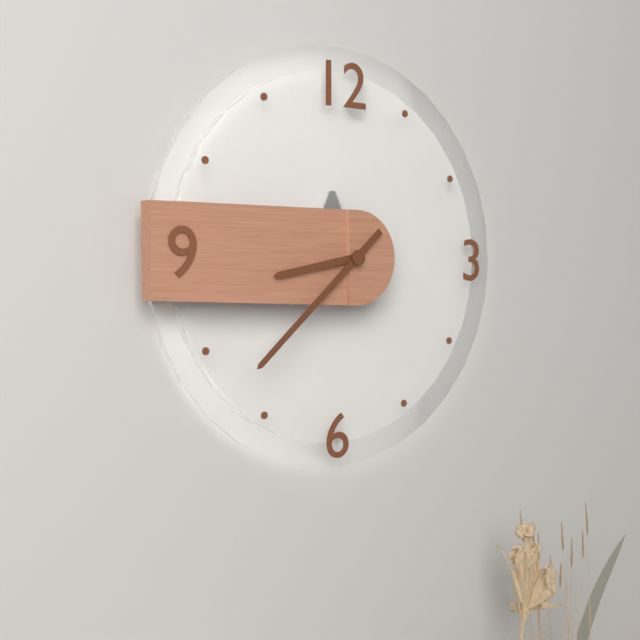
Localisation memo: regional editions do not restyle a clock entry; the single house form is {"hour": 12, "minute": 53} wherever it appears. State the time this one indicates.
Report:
{"hour": 8, "minute": 38}
